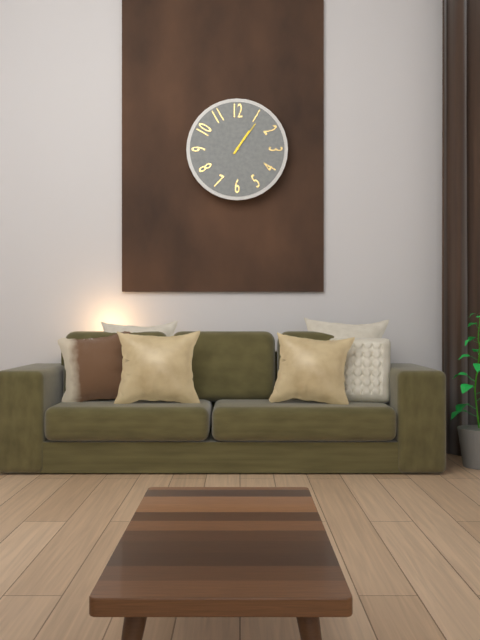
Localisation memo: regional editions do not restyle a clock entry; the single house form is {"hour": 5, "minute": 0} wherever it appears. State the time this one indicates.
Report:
{"hour": 1, "minute": 6}
